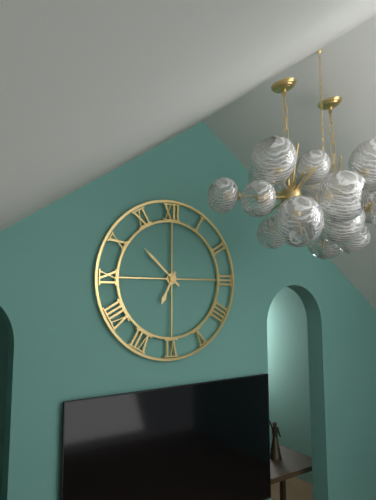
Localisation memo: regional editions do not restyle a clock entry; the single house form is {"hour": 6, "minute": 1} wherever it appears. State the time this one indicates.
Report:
{"hour": 6, "minute": 52}
